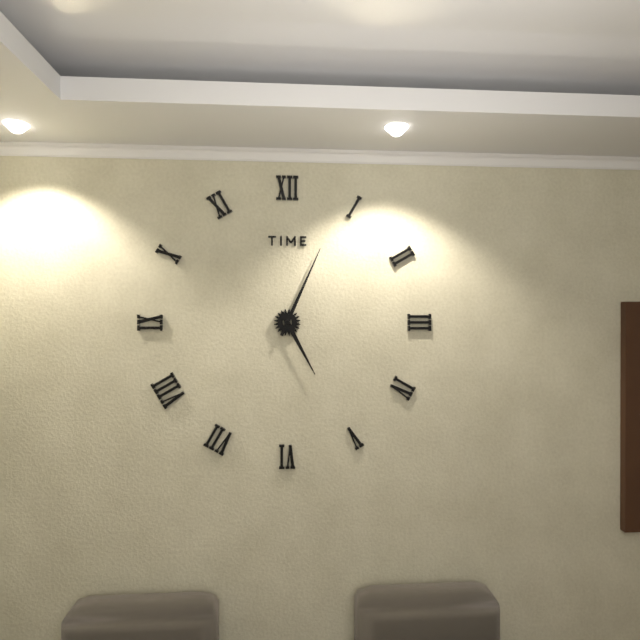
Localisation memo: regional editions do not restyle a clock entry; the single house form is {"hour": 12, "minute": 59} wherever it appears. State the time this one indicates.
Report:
{"hour": 5, "minute": 4}
